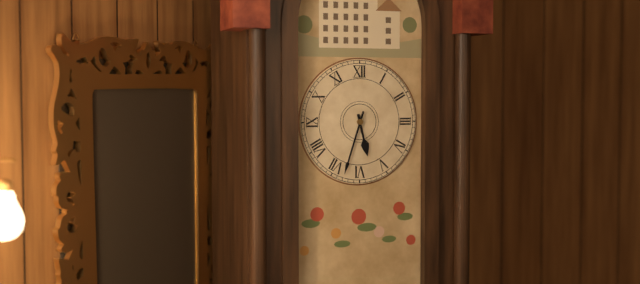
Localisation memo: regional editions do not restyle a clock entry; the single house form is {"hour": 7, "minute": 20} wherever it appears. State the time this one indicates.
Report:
{"hour": 5, "minute": 33}
